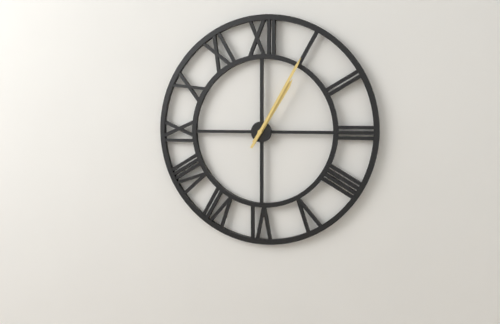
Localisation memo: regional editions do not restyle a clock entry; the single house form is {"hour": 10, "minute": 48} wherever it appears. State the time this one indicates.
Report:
{"hour": 1, "minute": 5}
